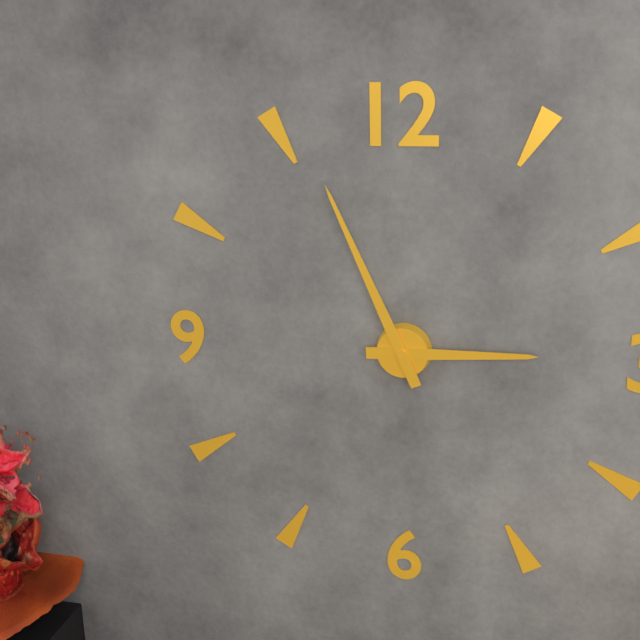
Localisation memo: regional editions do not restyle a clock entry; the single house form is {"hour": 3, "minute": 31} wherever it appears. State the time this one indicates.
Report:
{"hour": 2, "minute": 56}
